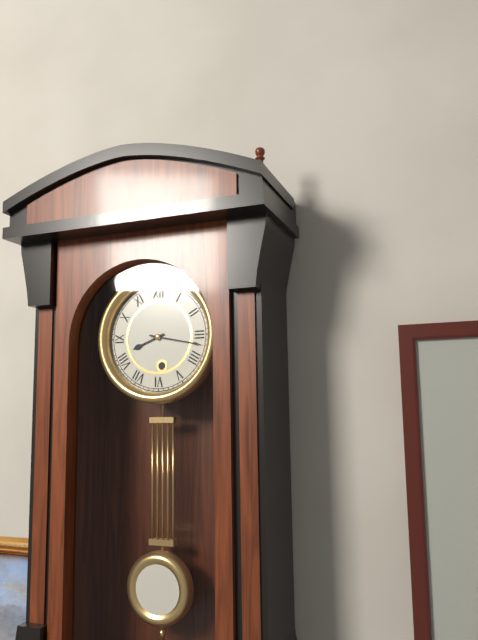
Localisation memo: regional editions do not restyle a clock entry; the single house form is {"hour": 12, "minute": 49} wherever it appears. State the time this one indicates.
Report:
{"hour": 8, "minute": 17}
